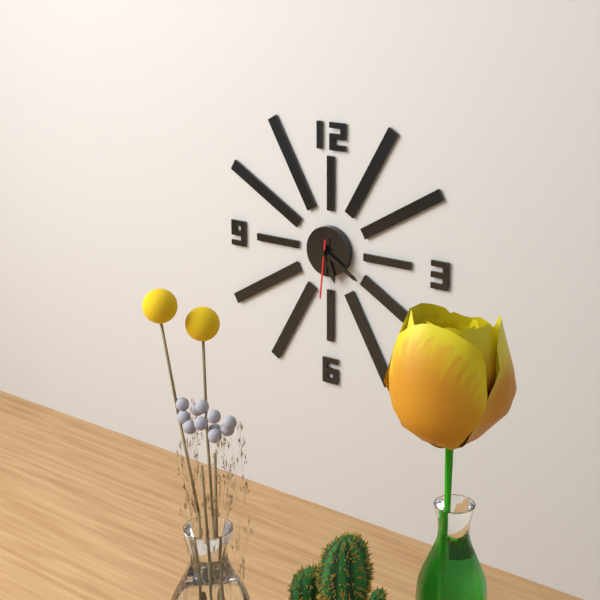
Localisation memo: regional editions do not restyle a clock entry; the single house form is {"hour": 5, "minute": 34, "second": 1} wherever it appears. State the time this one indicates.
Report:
{"hour": 5, "minute": 20, "second": 31}
